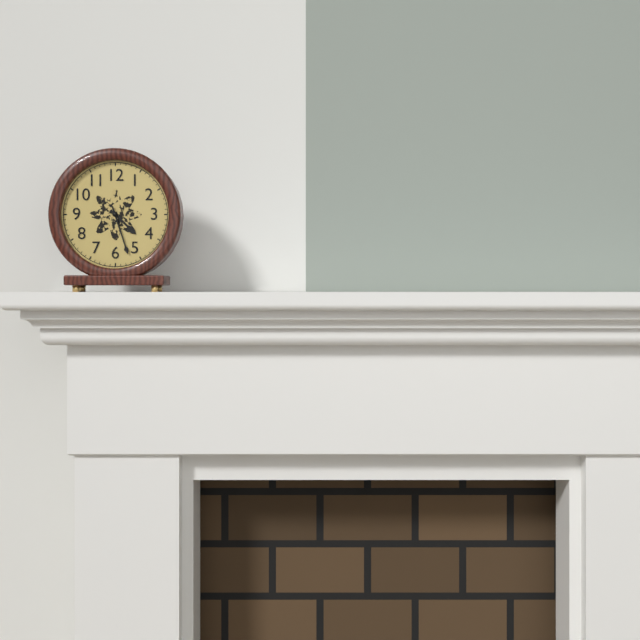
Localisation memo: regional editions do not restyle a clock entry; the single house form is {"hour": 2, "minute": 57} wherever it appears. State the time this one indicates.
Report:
{"hour": 4, "minute": 27}
